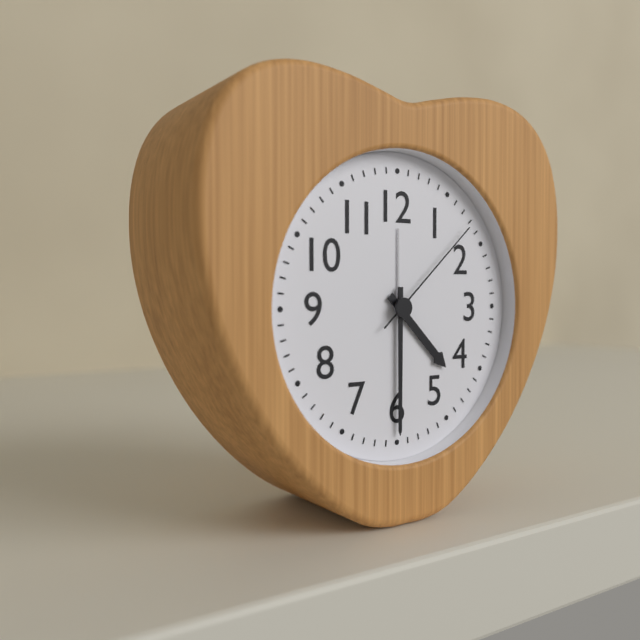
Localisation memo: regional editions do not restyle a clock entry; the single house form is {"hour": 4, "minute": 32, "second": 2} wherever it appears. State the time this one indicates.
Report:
{"hour": 4, "minute": 30, "second": 8}
